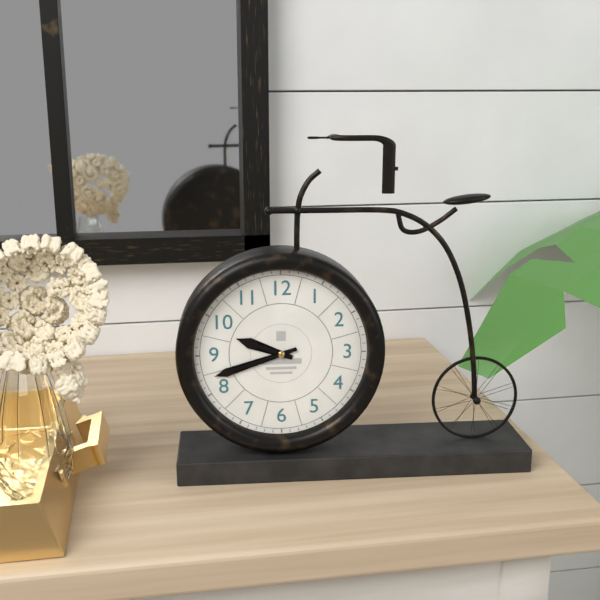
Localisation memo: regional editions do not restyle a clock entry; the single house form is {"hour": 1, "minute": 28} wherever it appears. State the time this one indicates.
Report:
{"hour": 9, "minute": 42}
